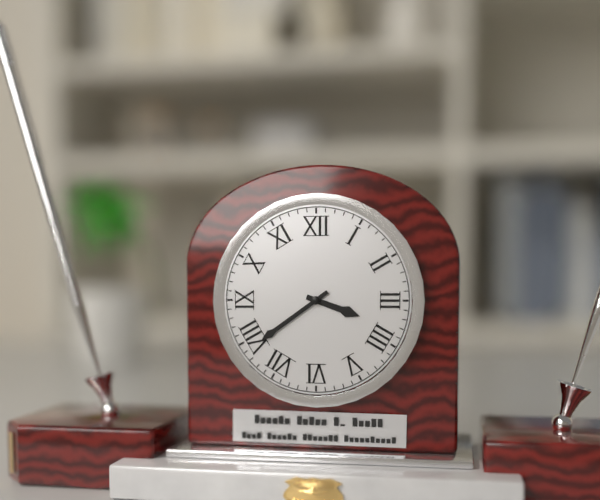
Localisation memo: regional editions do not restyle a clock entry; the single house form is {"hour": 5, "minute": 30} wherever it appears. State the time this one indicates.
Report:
{"hour": 3, "minute": 39}
